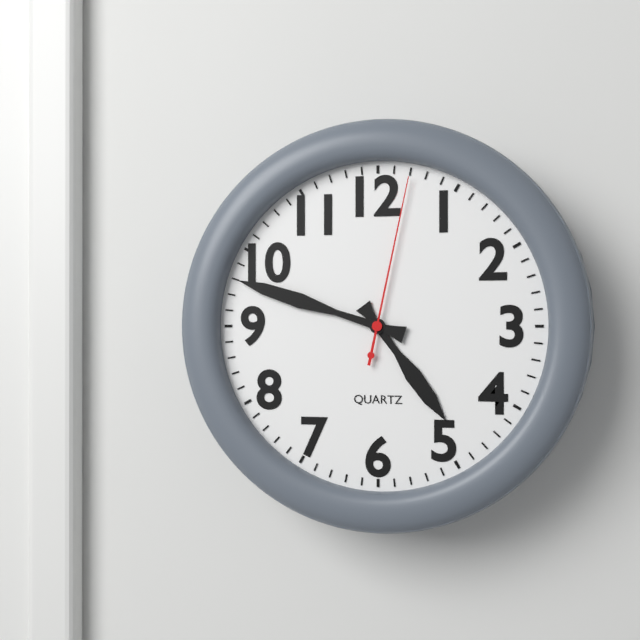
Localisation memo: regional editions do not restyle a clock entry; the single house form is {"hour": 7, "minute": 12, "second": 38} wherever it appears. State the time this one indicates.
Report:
{"hour": 4, "minute": 48, "second": 2}
